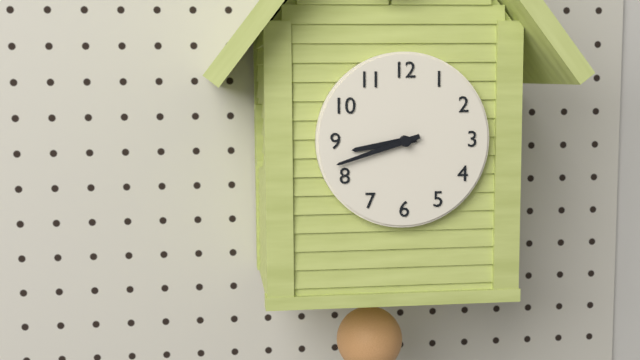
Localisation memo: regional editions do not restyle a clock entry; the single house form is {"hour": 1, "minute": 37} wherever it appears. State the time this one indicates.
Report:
{"hour": 8, "minute": 42}
